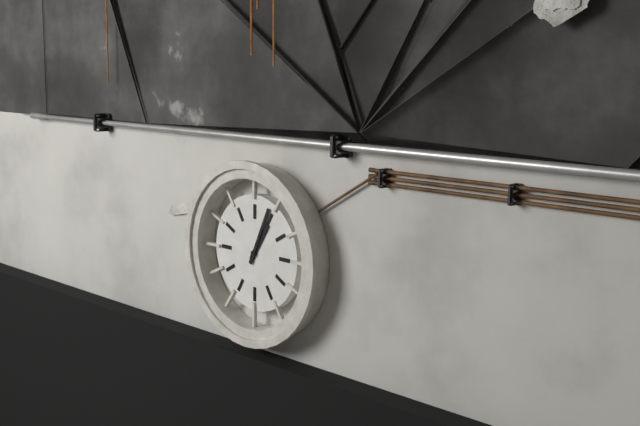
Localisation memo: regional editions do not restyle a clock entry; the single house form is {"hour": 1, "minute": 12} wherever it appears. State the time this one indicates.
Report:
{"hour": 1, "minute": 4}
